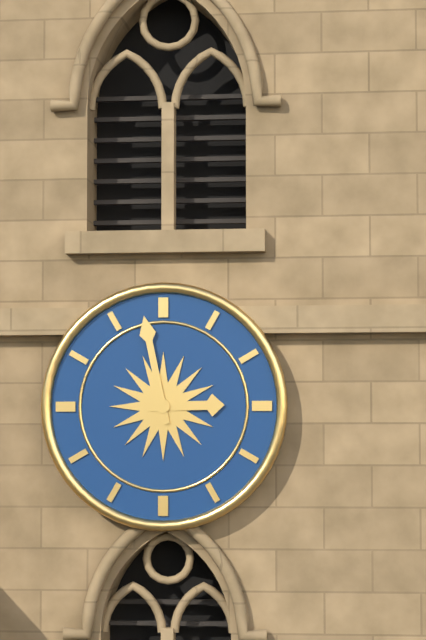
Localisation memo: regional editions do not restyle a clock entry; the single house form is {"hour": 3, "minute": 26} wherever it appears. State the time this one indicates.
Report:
{"hour": 2, "minute": 58}
